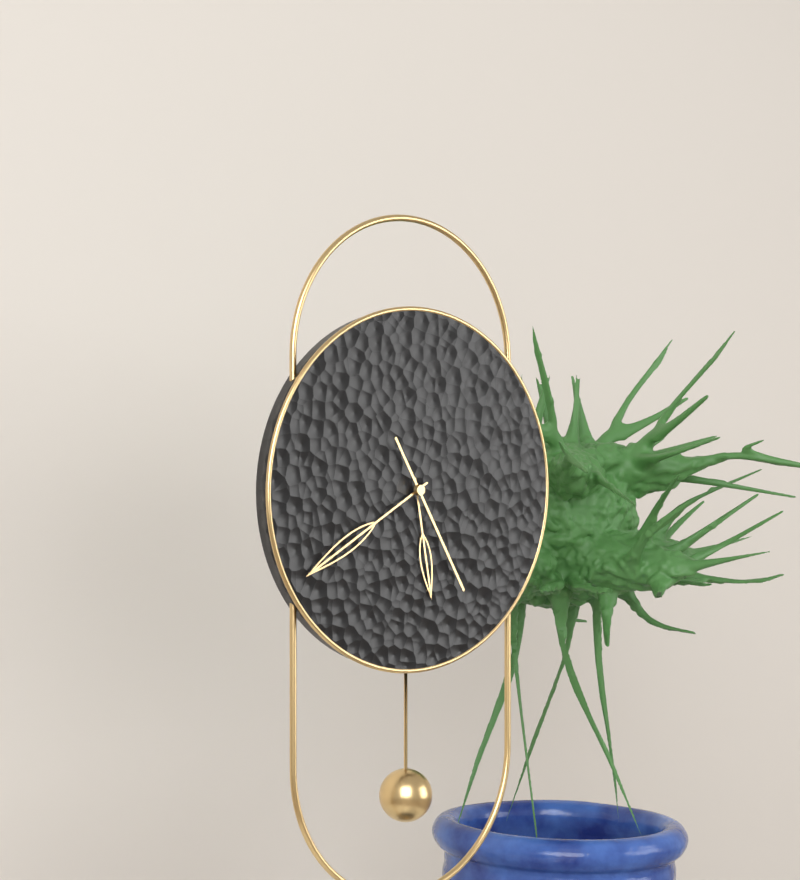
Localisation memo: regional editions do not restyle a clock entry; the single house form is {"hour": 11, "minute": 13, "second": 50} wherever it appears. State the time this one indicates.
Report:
{"hour": 5, "minute": 40, "second": 25}
